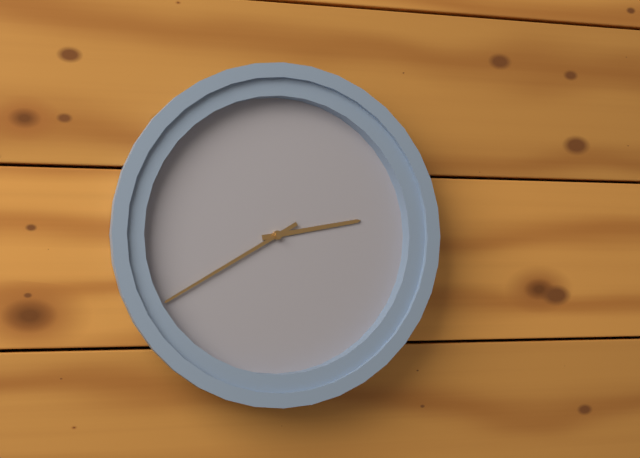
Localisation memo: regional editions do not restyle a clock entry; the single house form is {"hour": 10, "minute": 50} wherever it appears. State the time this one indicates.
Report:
{"hour": 2, "minute": 40}
